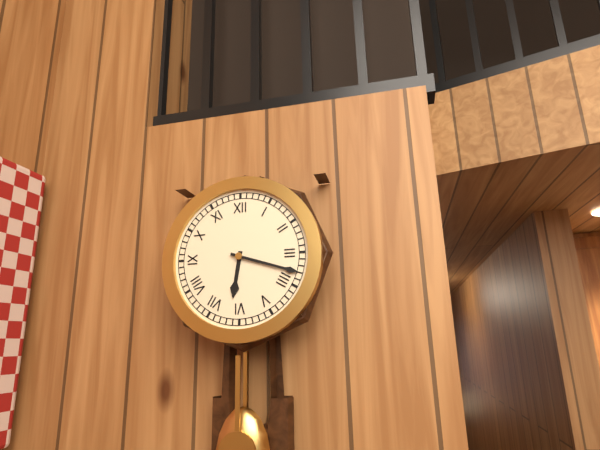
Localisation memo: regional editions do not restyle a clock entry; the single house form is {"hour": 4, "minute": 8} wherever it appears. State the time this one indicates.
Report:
{"hour": 6, "minute": 18}
